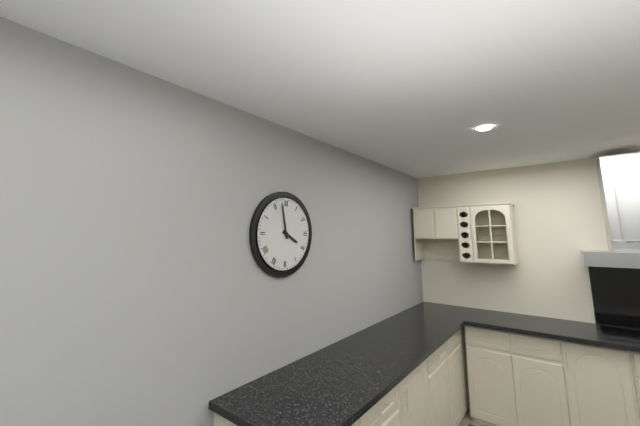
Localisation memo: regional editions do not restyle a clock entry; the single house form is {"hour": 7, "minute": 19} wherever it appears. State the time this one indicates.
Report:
{"hour": 3, "minute": 58}
